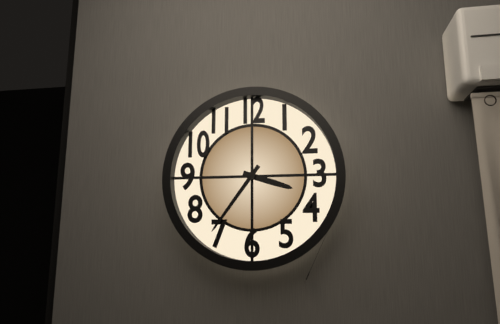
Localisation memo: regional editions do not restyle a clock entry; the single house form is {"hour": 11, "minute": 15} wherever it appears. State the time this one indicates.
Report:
{"hour": 3, "minute": 36}
